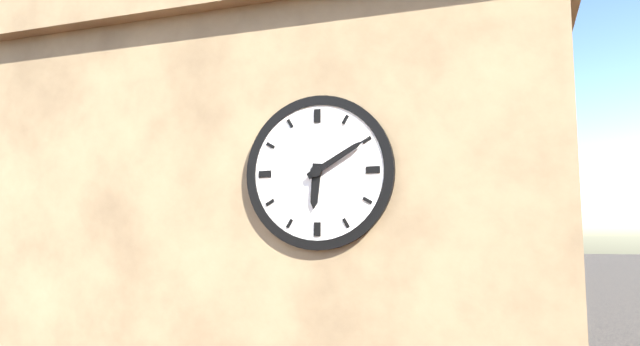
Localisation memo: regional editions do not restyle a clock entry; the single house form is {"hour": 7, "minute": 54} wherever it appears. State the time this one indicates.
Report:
{"hour": 6, "minute": 10}
